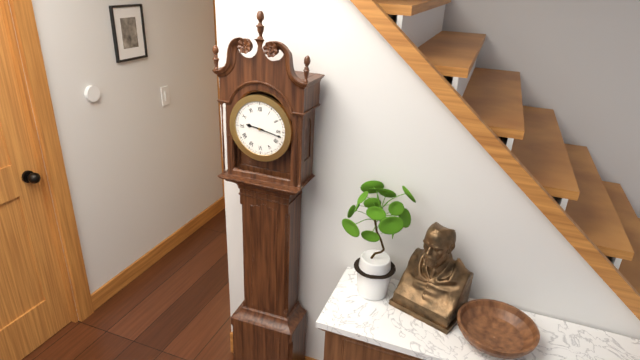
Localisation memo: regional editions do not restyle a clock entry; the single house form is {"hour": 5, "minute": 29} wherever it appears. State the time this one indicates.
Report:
{"hour": 9, "minute": 17}
